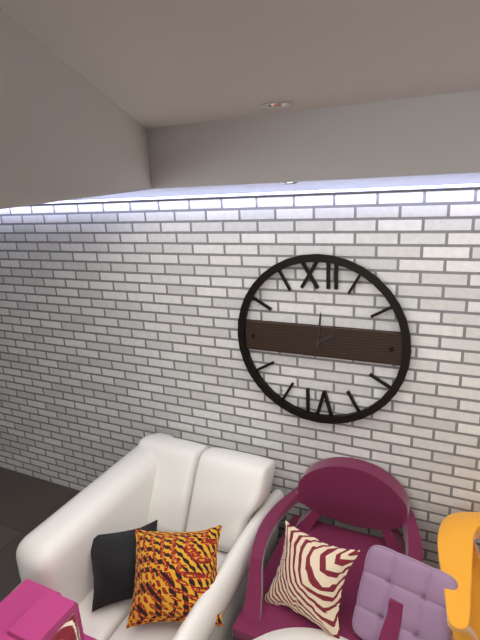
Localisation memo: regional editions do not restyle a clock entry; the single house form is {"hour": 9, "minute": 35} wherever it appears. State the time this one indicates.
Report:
{"hour": 2, "minute": 1}
